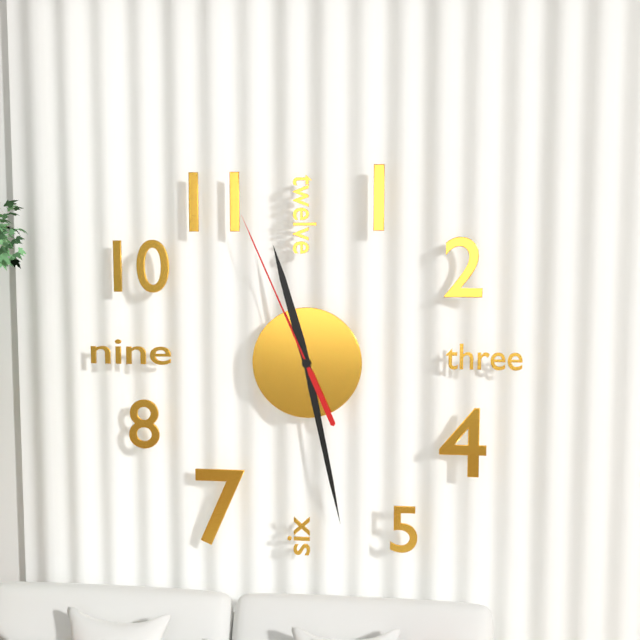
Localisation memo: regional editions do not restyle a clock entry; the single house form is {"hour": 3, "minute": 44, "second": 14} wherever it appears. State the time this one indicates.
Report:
{"hour": 11, "minute": 28, "second": 56}
